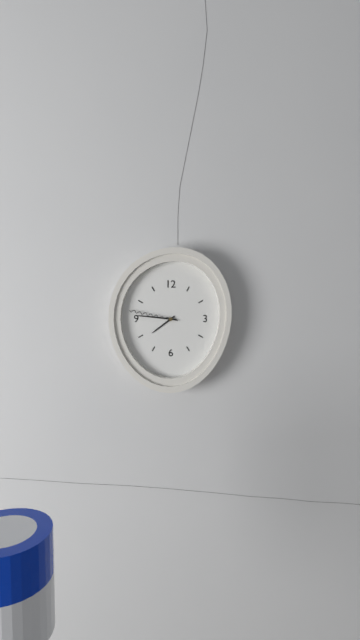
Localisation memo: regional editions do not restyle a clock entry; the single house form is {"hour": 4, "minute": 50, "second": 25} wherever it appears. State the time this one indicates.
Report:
{"hour": 7, "minute": 46, "second": 47}
